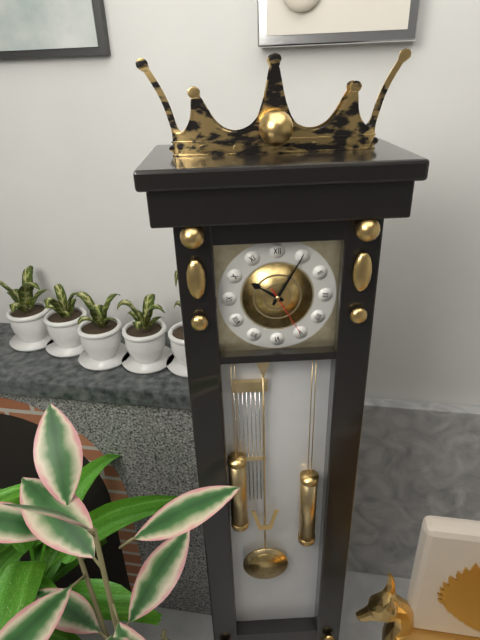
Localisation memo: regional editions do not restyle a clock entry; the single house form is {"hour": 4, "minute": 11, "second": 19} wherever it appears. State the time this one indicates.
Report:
{"hour": 10, "minute": 5, "second": 25}
